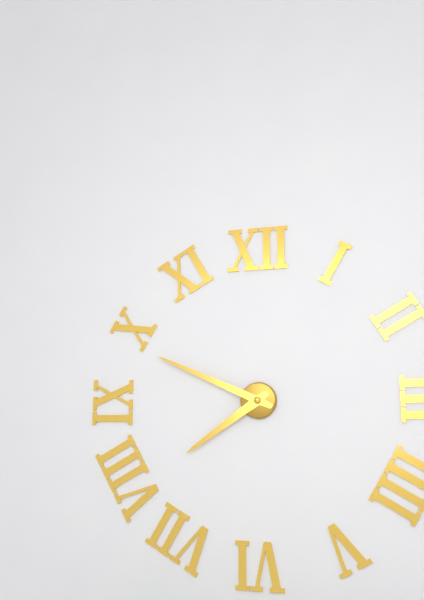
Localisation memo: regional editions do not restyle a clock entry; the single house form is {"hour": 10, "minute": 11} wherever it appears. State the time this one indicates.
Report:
{"hour": 7, "minute": 49}
